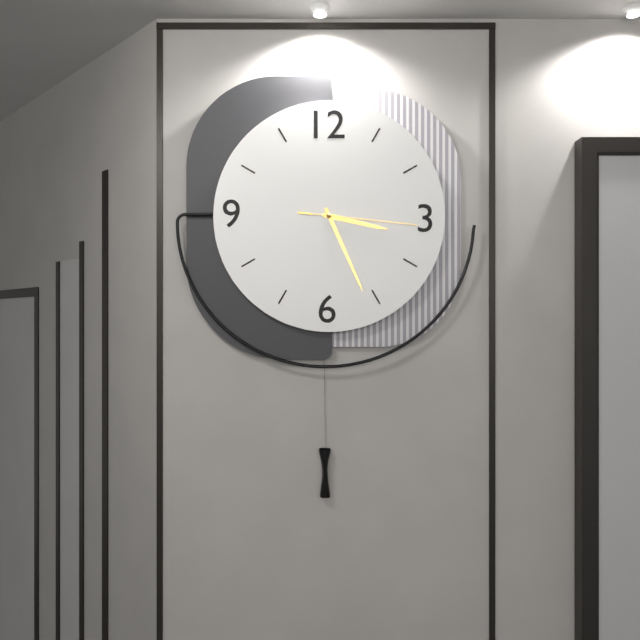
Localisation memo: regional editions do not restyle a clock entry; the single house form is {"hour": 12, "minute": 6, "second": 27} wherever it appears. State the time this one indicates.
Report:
{"hour": 3, "minute": 26, "second": 16}
